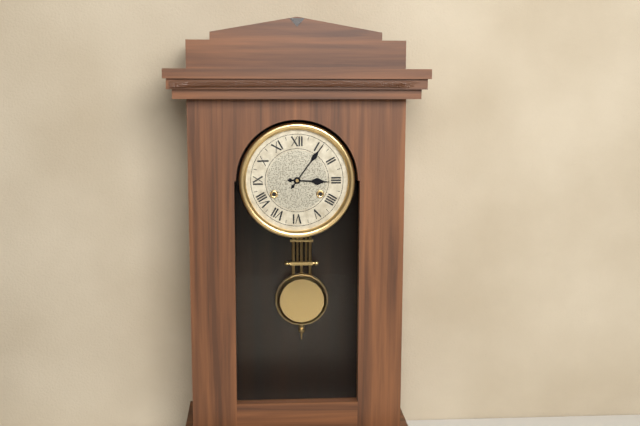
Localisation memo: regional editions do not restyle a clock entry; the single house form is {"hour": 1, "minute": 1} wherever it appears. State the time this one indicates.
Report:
{"hour": 3, "minute": 6}
